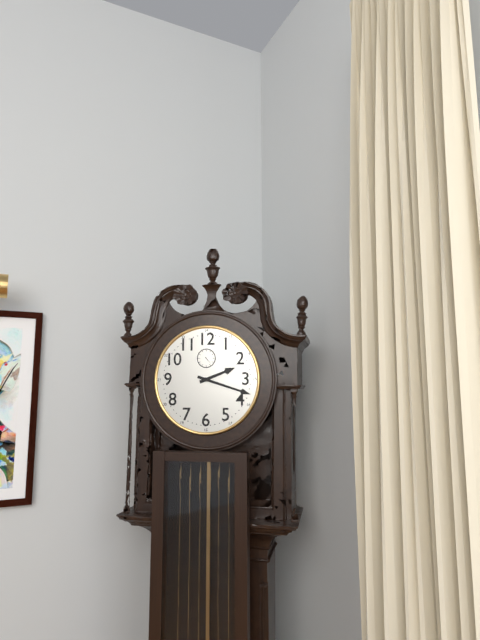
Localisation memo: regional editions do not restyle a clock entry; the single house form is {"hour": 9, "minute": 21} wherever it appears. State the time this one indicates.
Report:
{"hour": 2, "minute": 18}
